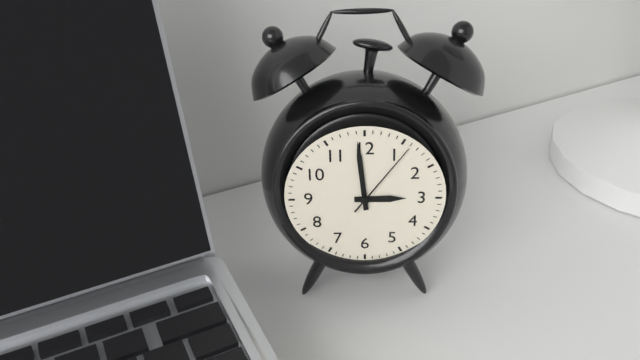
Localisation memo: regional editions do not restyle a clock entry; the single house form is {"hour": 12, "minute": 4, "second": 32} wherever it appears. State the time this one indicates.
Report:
{"hour": 2, "minute": 59, "second": 6}
